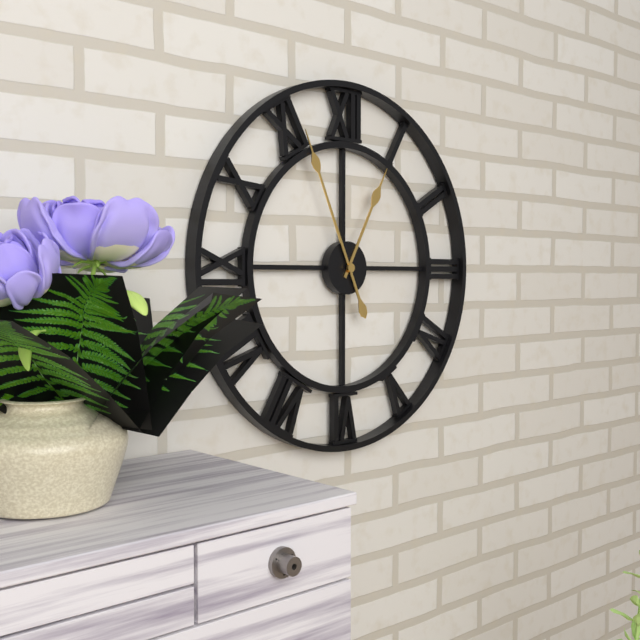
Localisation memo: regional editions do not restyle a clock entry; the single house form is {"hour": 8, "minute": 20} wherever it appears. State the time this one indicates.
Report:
{"hour": 12, "minute": 56}
